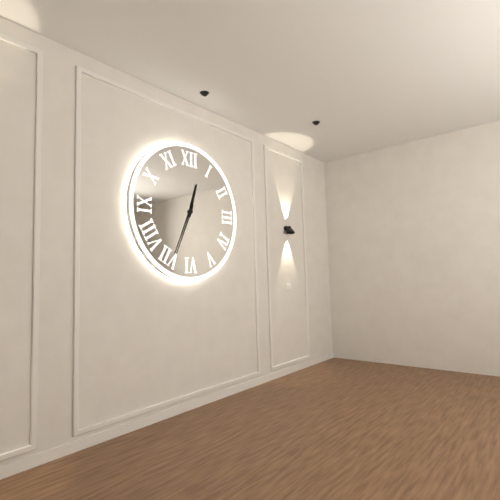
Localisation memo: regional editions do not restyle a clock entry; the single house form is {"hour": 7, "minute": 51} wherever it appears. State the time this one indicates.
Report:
{"hour": 12, "minute": 34}
